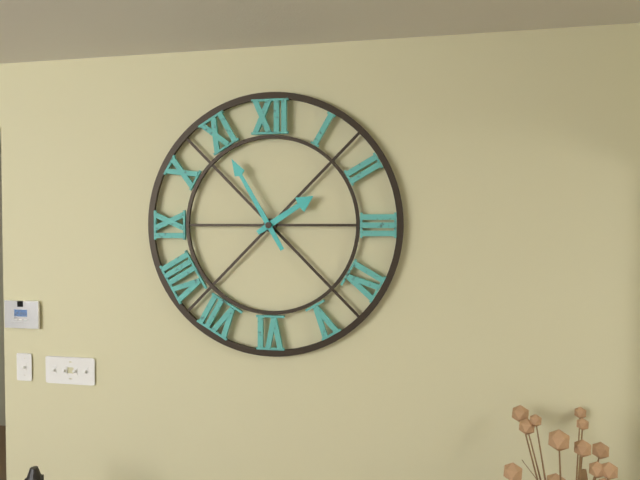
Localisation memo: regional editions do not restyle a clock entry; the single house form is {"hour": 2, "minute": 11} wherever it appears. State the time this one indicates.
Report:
{"hour": 1, "minute": 55}
